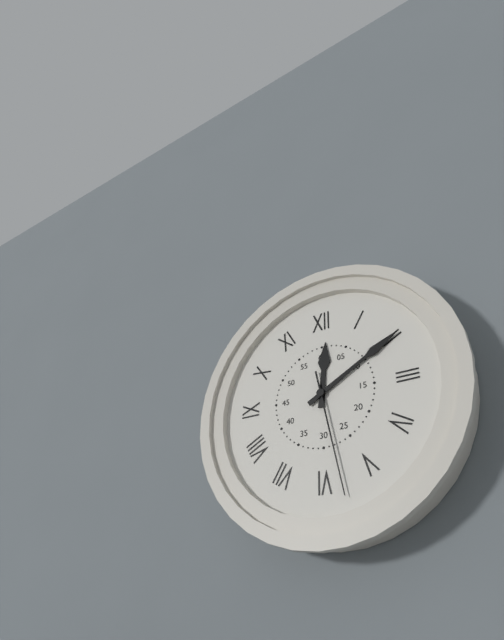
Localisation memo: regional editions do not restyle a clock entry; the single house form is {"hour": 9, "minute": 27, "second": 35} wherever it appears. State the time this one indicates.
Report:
{"hour": 12, "minute": 10, "second": 28}
